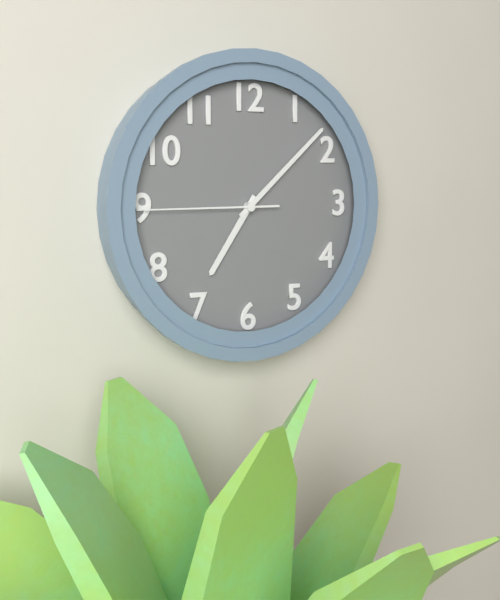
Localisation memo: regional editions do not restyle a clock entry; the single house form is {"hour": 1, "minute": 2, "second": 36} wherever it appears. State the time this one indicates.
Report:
{"hour": 7, "minute": 8, "second": 45}
